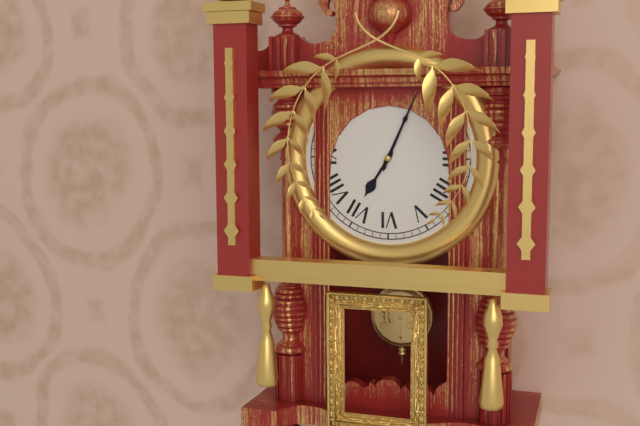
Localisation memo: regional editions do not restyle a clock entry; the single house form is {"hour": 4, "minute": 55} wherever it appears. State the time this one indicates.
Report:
{"hour": 7, "minute": 4}
